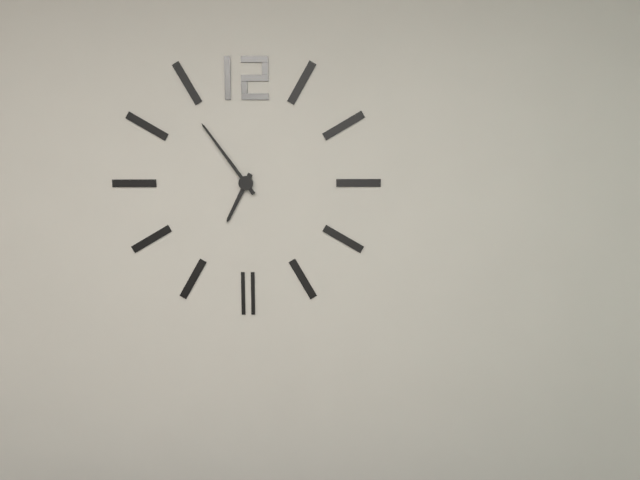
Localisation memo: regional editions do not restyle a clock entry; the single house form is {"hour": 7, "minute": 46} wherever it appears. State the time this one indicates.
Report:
{"hour": 6, "minute": 54}
